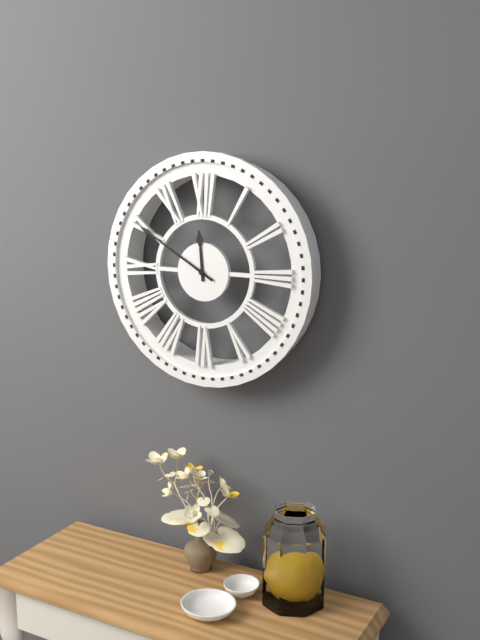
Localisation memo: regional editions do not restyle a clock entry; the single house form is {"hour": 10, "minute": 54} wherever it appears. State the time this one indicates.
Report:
{"hour": 11, "minute": 50}
